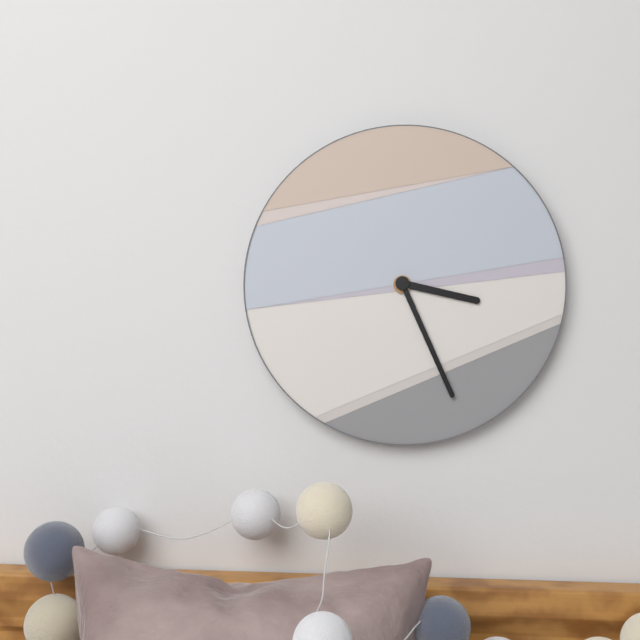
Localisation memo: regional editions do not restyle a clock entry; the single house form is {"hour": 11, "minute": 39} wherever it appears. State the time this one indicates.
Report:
{"hour": 3, "minute": 26}
